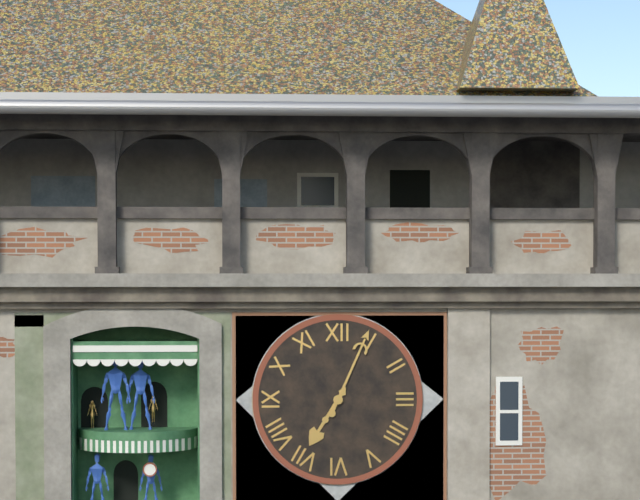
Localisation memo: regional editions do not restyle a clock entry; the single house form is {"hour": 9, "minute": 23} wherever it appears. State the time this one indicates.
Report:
{"hour": 7, "minute": 4}
